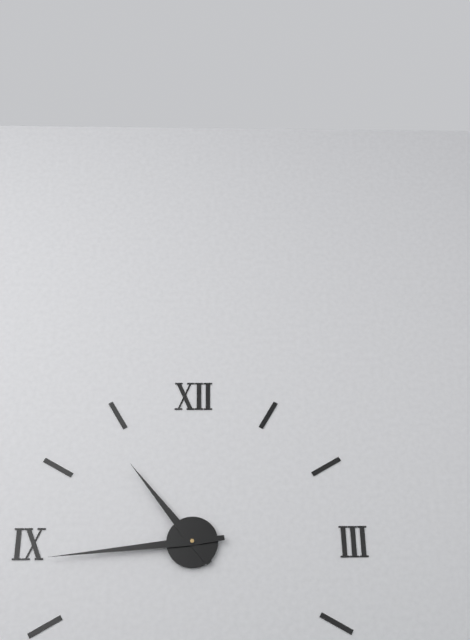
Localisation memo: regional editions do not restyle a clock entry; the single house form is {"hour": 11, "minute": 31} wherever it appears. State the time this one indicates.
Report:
{"hour": 10, "minute": 44}
